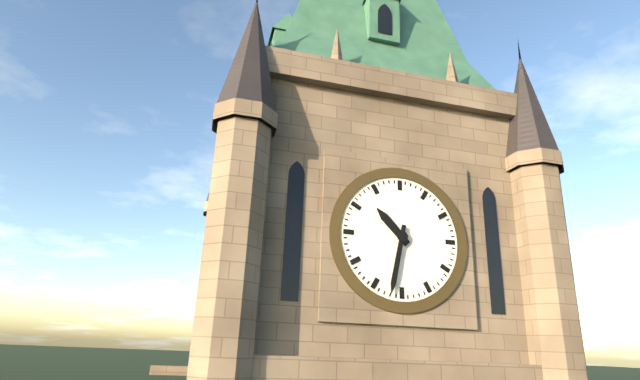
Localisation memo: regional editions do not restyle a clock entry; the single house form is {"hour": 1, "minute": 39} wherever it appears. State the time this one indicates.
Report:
{"hour": 10, "minute": 32}
